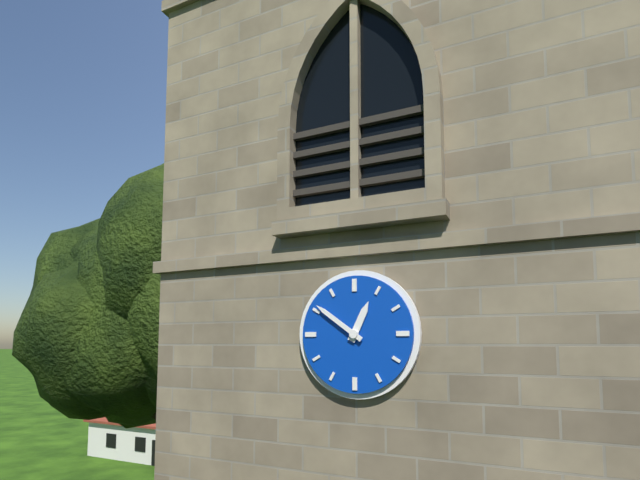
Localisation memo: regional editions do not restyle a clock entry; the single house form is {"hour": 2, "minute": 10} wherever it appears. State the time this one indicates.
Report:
{"hour": 12, "minute": 51}
